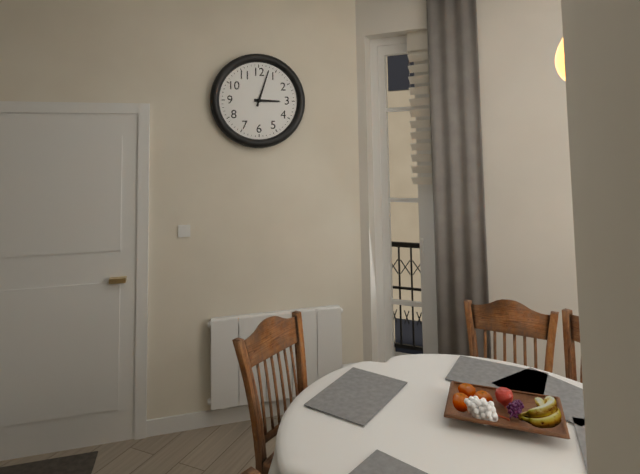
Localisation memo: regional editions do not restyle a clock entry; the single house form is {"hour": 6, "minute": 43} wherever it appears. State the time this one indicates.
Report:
{"hour": 3, "minute": 3}
